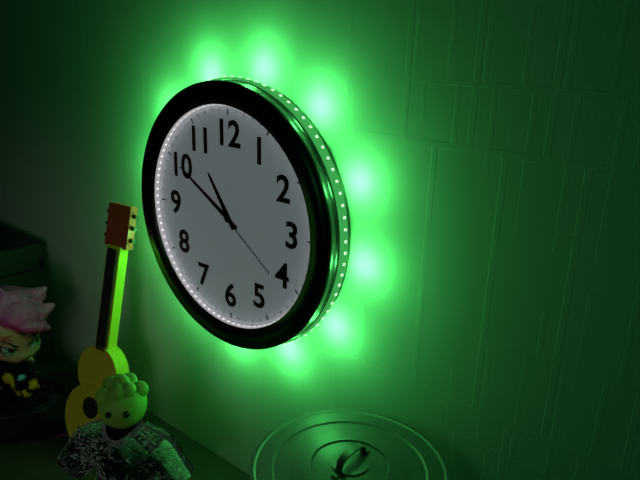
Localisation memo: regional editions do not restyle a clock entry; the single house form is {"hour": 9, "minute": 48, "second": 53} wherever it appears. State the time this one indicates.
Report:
{"hour": 10, "minute": 50, "second": 21}
